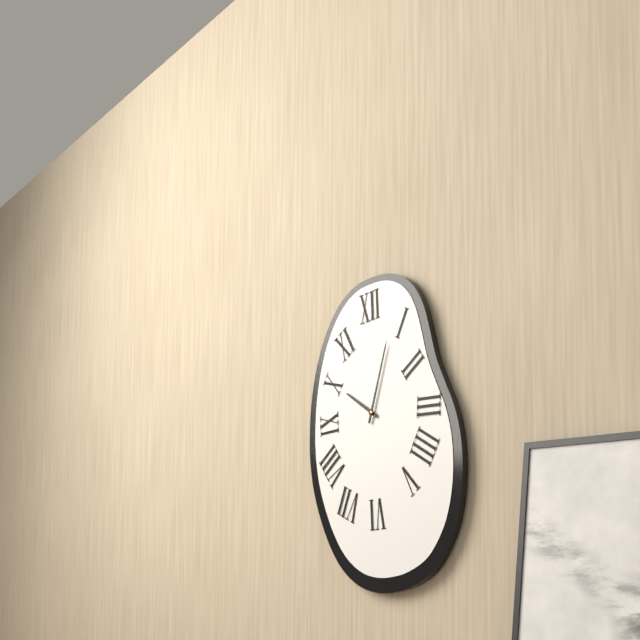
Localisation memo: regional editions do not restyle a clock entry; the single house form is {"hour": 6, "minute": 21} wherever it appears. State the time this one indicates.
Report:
{"hour": 10, "minute": 3}
